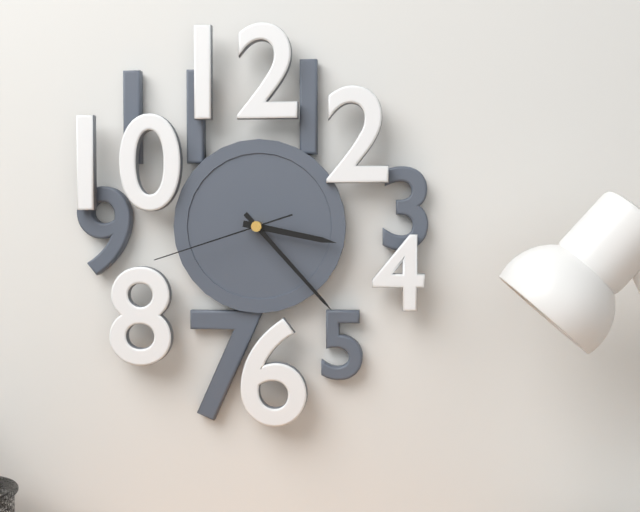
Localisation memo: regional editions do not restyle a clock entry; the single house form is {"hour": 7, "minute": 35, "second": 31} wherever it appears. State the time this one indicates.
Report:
{"hour": 3, "minute": 23, "second": 42}
